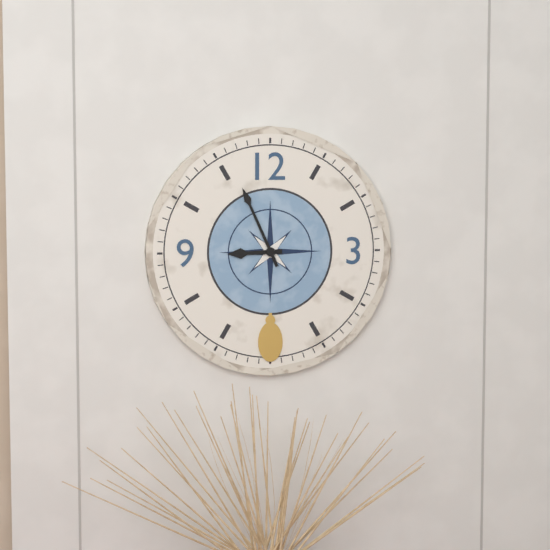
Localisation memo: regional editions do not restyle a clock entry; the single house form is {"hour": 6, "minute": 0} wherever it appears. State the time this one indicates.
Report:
{"hour": 8, "minute": 56}
